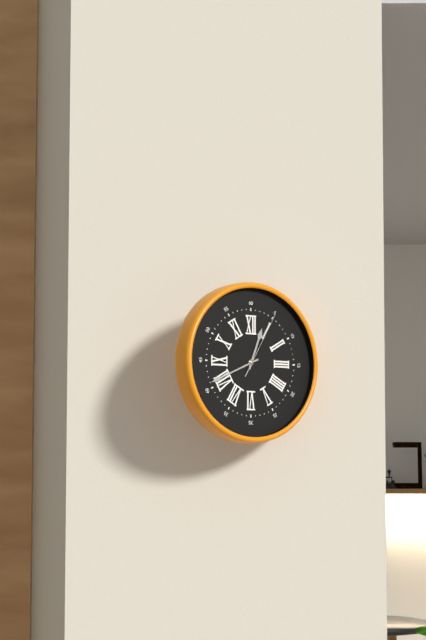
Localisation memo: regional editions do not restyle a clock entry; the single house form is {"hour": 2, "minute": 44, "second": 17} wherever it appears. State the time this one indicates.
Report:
{"hour": 12, "minute": 41, "second": 5}
